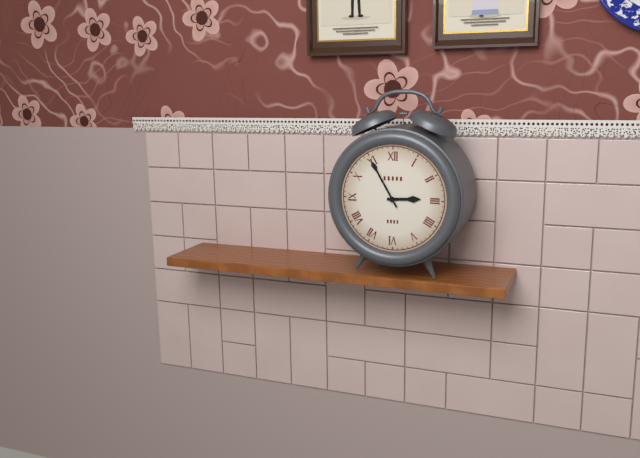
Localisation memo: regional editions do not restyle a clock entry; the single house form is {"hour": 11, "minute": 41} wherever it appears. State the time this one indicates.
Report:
{"hour": 2, "minute": 55}
